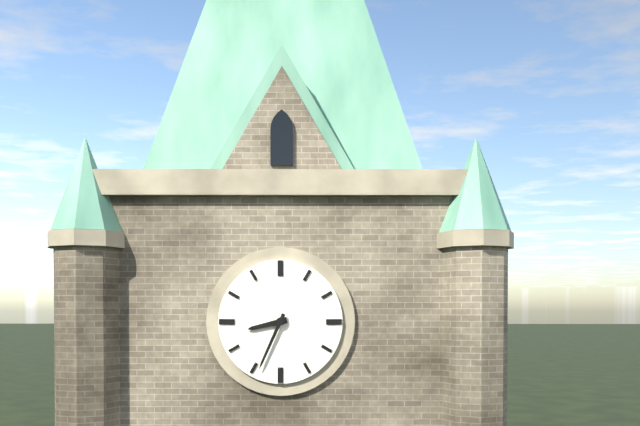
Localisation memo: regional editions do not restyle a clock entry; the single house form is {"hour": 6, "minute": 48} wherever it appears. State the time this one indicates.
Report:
{"hour": 8, "minute": 34}
